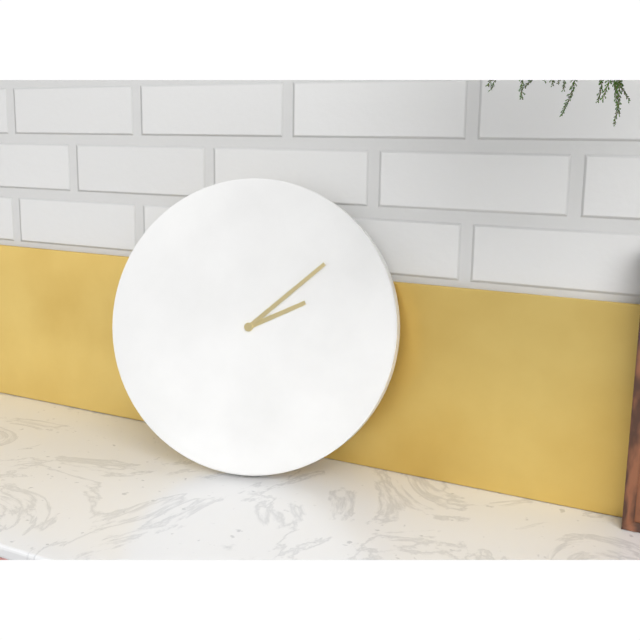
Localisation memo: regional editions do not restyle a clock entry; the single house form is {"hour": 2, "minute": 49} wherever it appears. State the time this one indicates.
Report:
{"hour": 2, "minute": 8}
